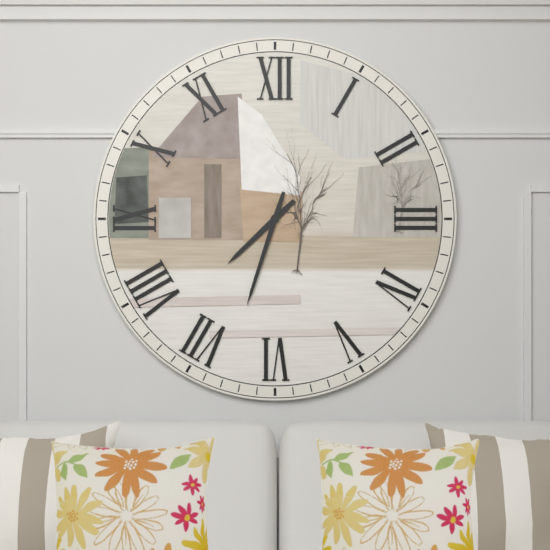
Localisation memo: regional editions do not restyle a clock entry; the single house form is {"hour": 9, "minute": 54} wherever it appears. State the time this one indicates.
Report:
{"hour": 7, "minute": 33}
